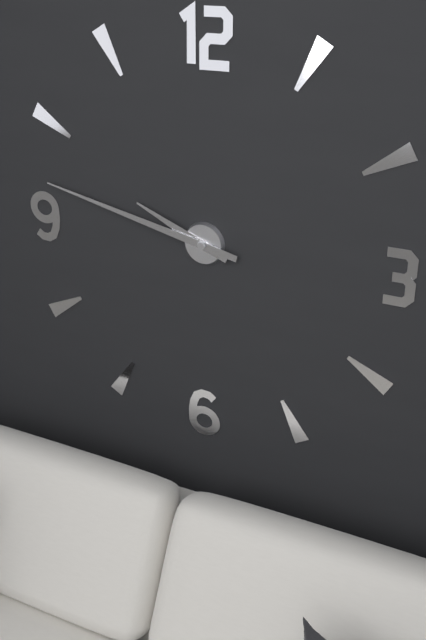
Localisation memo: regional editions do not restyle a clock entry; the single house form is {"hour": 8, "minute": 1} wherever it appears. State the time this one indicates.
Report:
{"hour": 9, "minute": 47}
